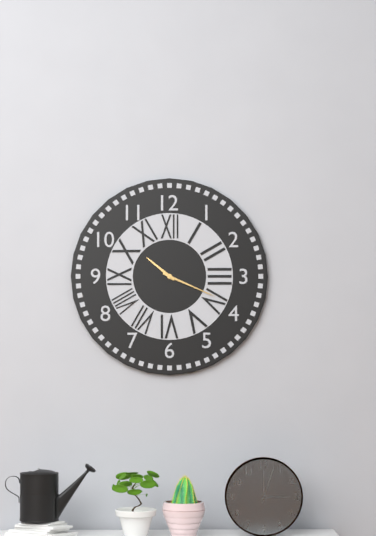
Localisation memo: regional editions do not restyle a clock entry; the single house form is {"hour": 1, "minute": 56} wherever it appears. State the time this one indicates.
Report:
{"hour": 10, "minute": 19}
